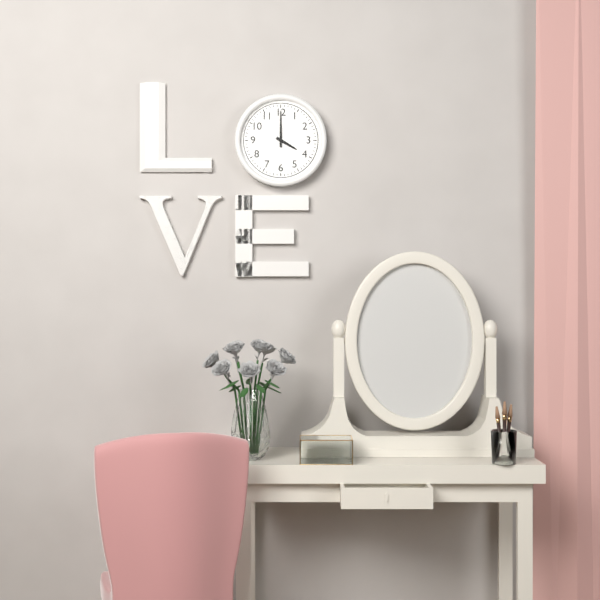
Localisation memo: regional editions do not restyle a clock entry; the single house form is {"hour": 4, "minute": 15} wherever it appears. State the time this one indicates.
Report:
{"hour": 4, "minute": 0}
